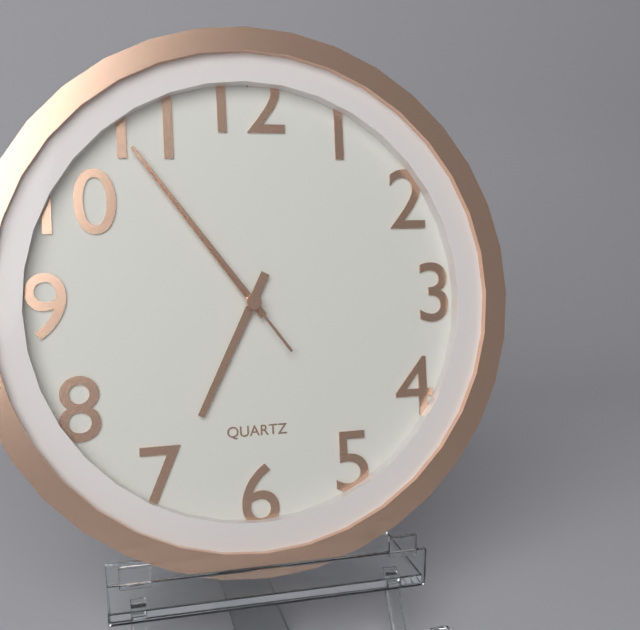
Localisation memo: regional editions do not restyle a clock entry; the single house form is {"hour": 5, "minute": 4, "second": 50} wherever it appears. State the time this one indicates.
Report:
{"hour": 6, "minute": 54, "second": 54}
